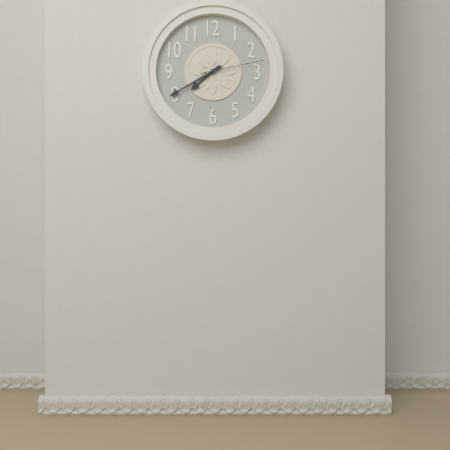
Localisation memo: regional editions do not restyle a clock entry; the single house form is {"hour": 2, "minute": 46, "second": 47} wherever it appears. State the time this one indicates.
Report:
{"hour": 7, "minute": 40, "second": 13}
